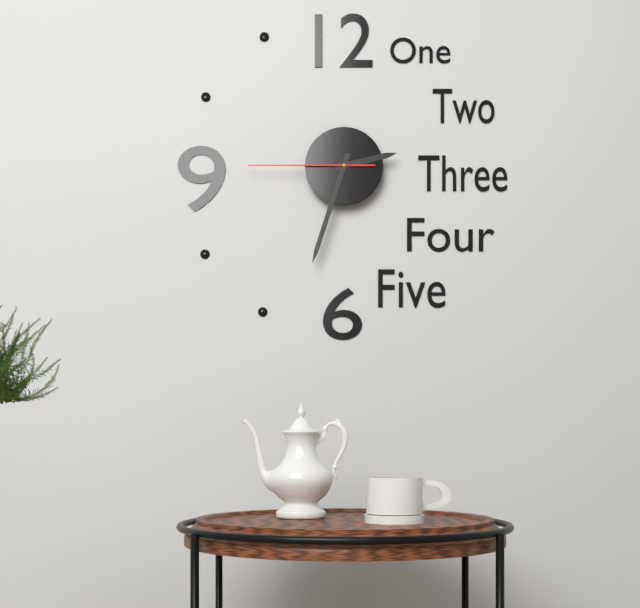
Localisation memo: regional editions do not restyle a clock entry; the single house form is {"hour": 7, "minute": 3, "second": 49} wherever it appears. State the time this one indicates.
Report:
{"hour": 2, "minute": 33, "second": 45}
